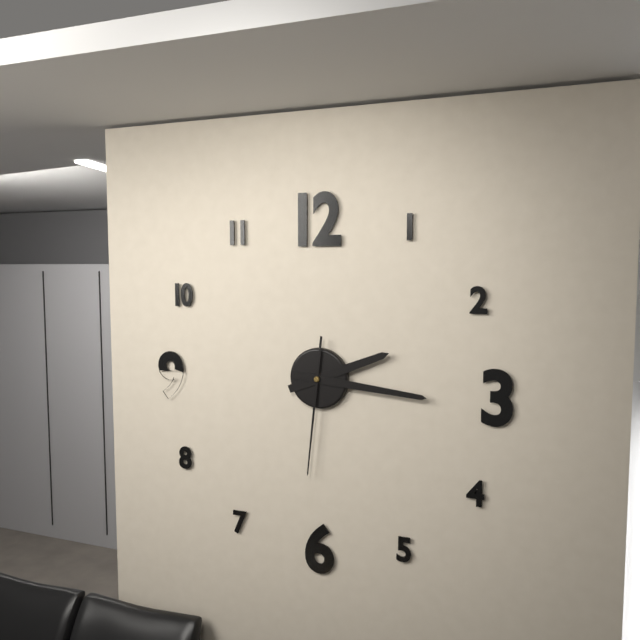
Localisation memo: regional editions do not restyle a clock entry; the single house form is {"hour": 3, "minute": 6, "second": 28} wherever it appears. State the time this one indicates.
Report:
{"hour": 2, "minute": 16, "second": 31}
